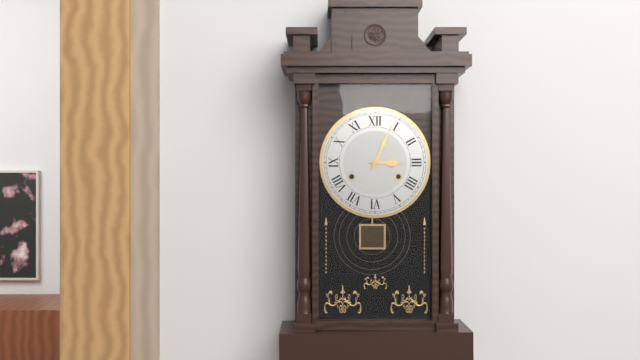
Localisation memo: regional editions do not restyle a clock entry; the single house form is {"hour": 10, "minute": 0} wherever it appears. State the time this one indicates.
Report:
{"hour": 3, "minute": 4}
